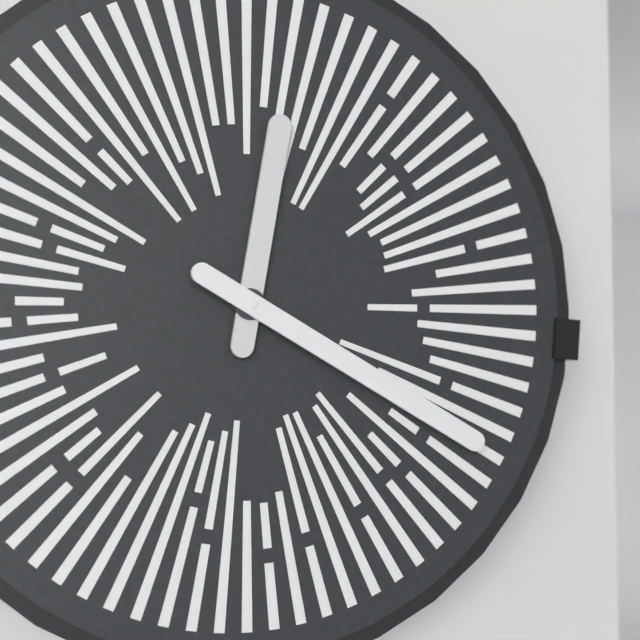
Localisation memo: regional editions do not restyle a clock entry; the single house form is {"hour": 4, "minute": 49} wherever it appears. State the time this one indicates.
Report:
{"hour": 12, "minute": 20}
